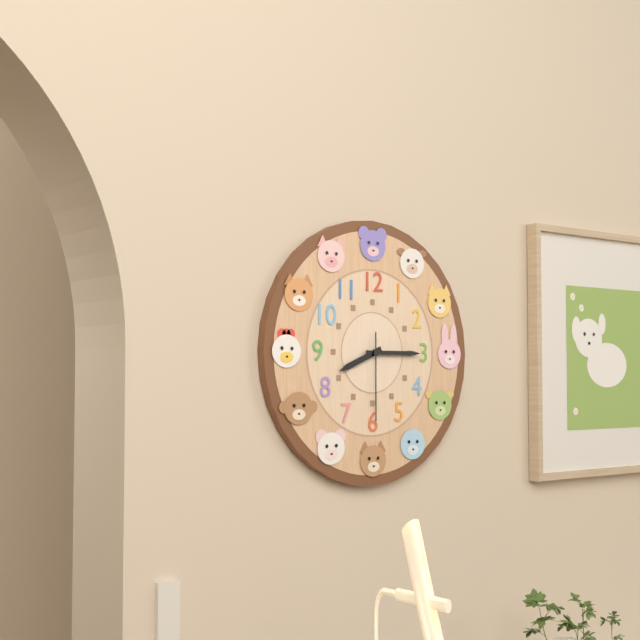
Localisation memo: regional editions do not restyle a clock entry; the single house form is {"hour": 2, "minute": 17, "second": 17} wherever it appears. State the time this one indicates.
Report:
{"hour": 8, "minute": 15, "second": 30}
